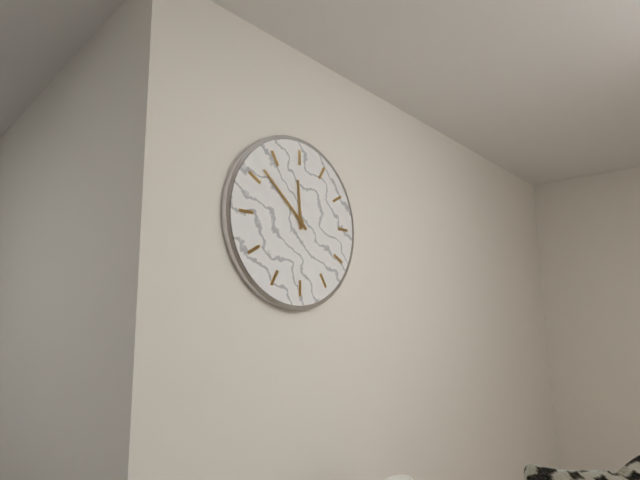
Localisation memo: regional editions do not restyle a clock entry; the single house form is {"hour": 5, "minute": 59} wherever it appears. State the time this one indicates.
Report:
{"hour": 11, "minute": 52}
